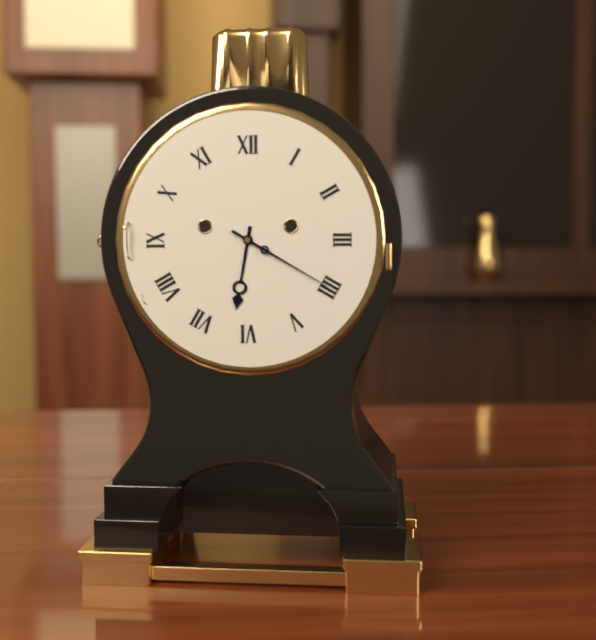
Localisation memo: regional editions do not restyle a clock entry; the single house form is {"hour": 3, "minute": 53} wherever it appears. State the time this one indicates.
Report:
{"hour": 6, "minute": 20}
